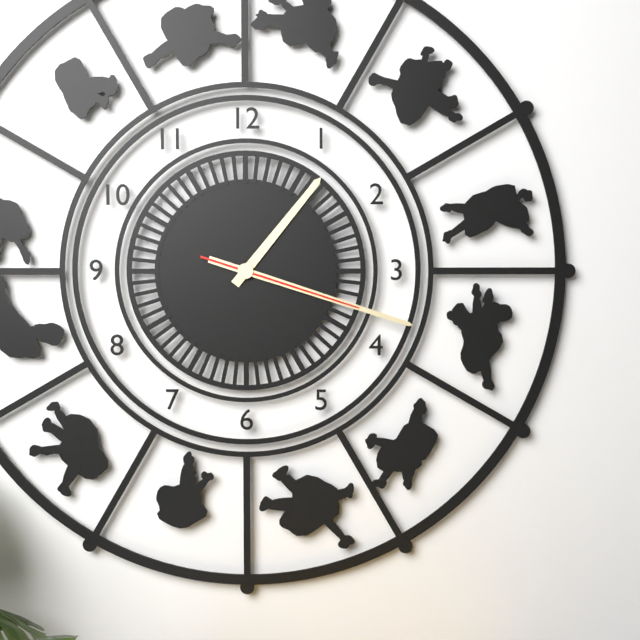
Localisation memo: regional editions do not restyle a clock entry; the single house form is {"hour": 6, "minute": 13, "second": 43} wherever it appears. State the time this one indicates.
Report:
{"hour": 1, "minute": 18, "second": 18}
